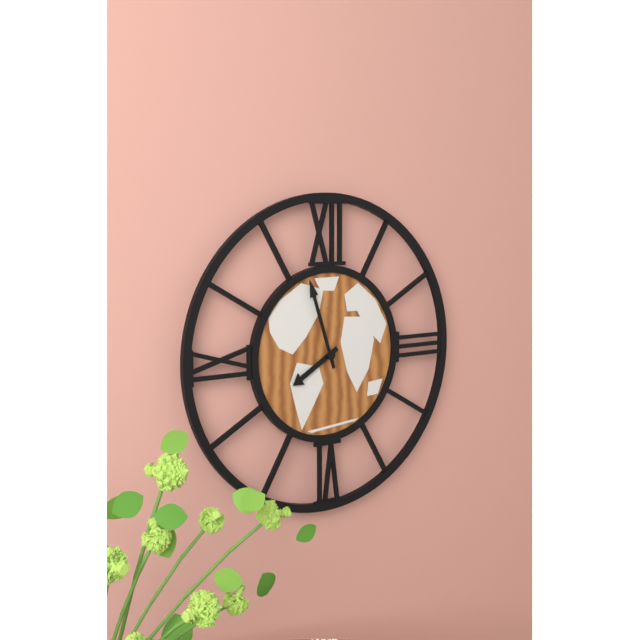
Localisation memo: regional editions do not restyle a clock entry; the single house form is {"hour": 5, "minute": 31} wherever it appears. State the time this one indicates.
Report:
{"hour": 7, "minute": 57}
